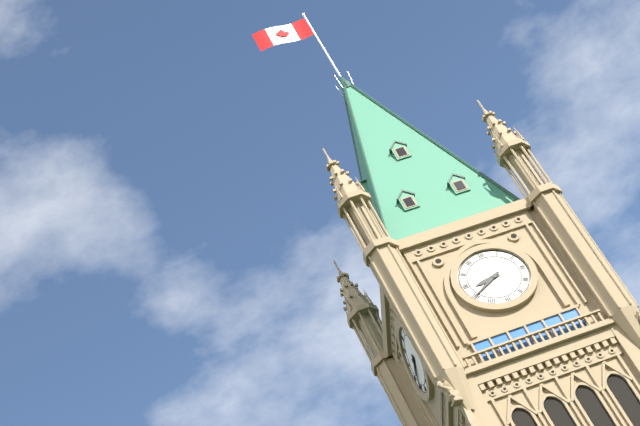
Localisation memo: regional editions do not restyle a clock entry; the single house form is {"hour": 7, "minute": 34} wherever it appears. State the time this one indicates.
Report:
{"hour": 8, "minute": 40}
